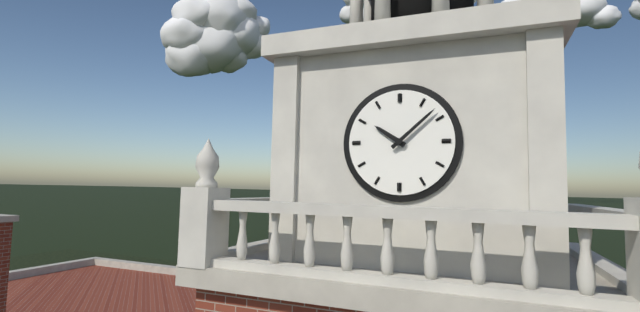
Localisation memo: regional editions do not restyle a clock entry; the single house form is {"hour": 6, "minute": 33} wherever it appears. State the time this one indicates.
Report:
{"hour": 10, "minute": 8}
